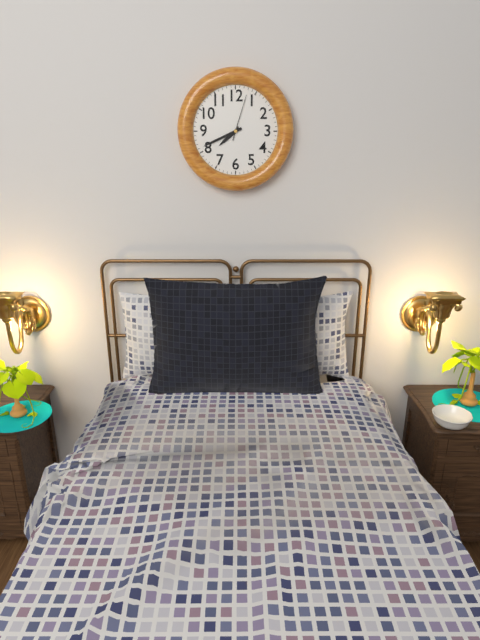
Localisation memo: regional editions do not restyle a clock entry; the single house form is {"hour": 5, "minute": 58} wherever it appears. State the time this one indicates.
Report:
{"hour": 7, "minute": 41}
